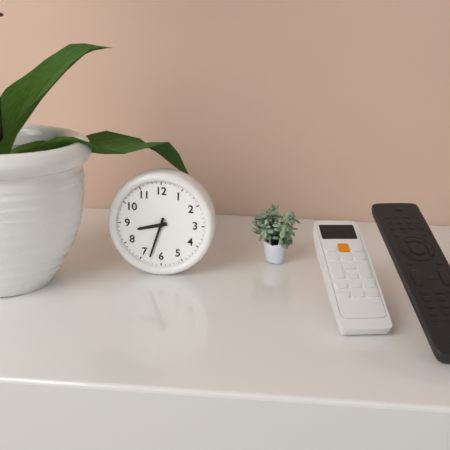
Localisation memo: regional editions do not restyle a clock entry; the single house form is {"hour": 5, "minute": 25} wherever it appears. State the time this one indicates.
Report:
{"hour": 8, "minute": 33}
